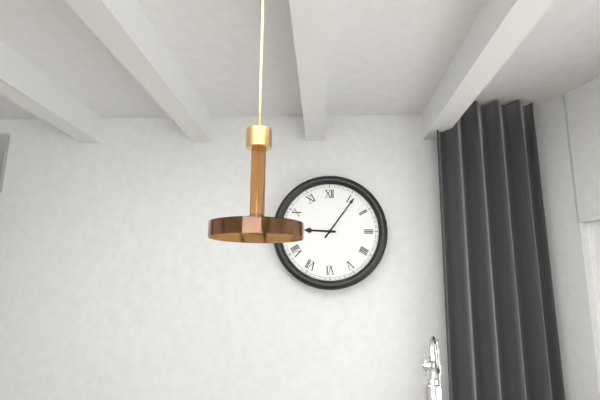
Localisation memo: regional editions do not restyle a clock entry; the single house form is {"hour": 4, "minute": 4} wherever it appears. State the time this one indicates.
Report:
{"hour": 9, "minute": 6}
